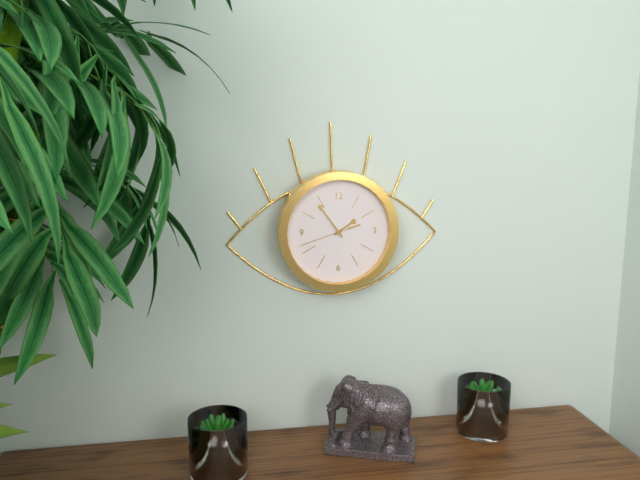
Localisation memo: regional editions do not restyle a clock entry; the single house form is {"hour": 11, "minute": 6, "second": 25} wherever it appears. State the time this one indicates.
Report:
{"hour": 1, "minute": 54, "second": 42}
